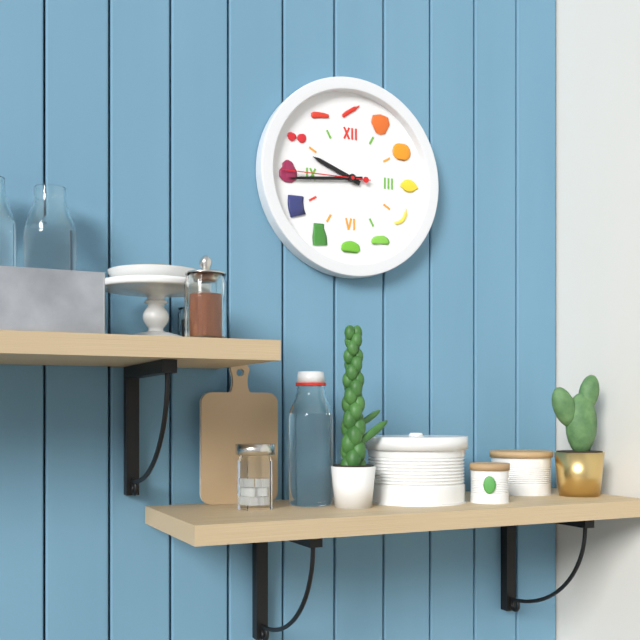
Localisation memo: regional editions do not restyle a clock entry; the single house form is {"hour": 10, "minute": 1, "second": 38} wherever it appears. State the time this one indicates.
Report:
{"hour": 9, "minute": 44, "second": 45}
